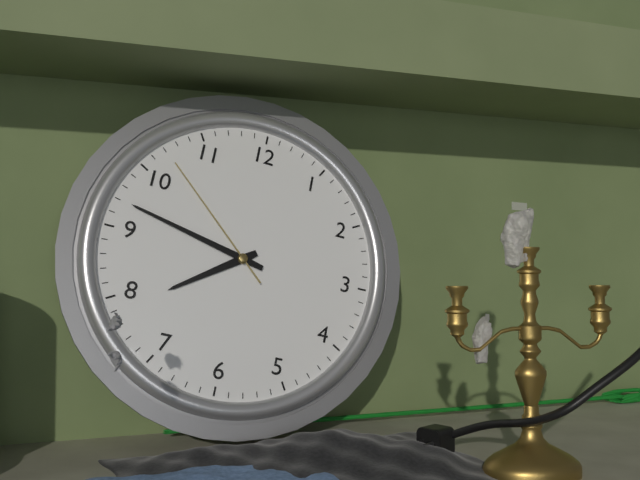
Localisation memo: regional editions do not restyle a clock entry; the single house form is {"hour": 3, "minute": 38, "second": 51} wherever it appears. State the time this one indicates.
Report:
{"hour": 7, "minute": 47, "second": 52}
